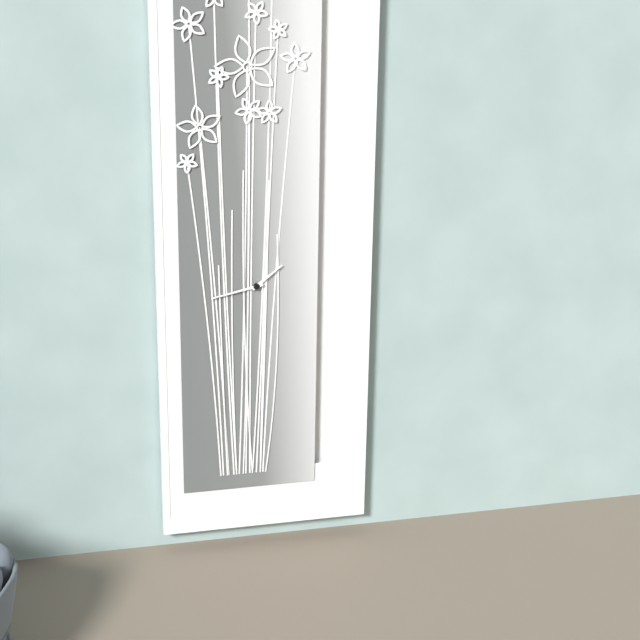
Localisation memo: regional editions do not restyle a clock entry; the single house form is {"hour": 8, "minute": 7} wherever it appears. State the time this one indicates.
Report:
{"hour": 1, "minute": 43}
